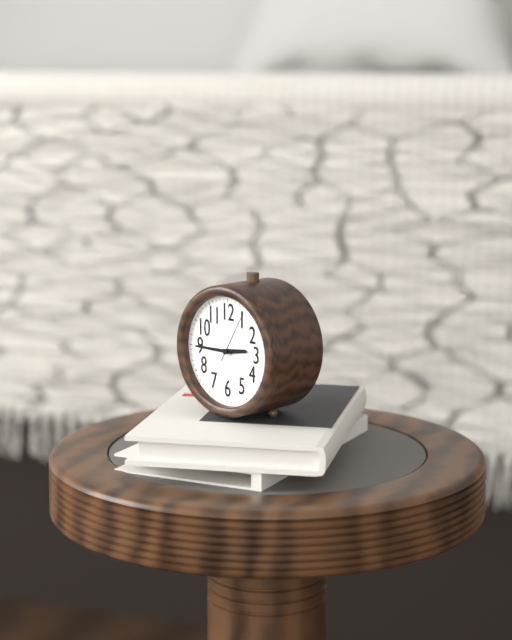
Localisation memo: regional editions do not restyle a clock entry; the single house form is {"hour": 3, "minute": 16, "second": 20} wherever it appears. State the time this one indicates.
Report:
{"hour": 2, "minute": 45, "second": 5}
